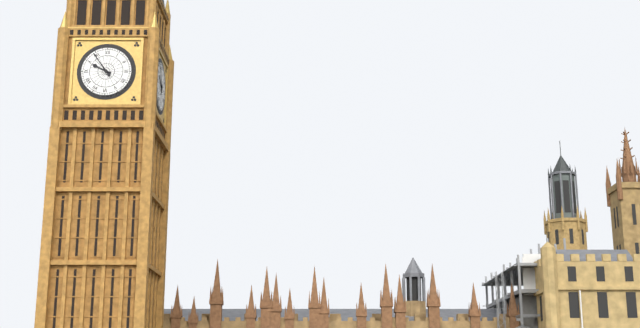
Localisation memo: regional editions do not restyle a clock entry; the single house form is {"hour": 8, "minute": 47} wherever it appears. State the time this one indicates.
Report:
{"hour": 9, "minute": 54}
